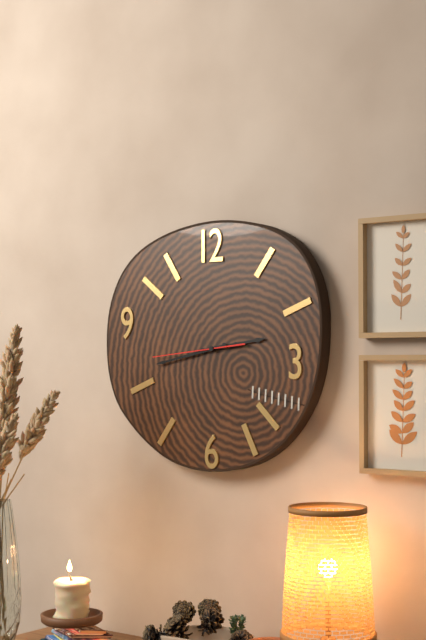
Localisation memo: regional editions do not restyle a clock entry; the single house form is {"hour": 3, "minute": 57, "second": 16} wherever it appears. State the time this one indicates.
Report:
{"hour": 2, "minute": 43, "second": 44}
